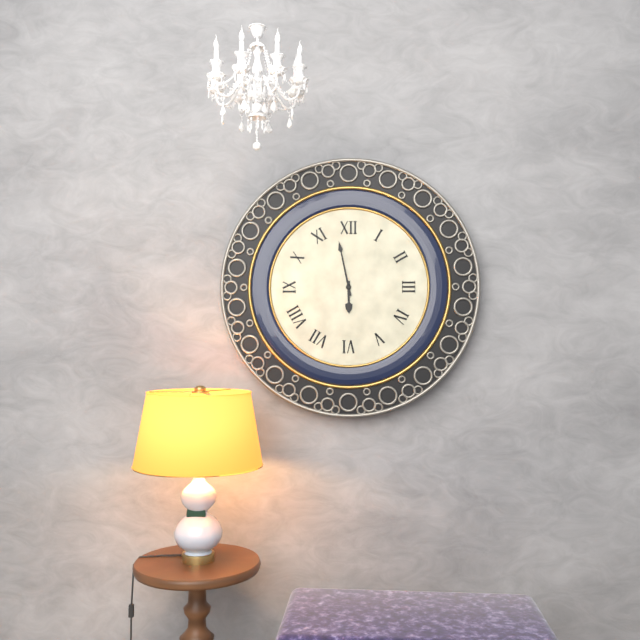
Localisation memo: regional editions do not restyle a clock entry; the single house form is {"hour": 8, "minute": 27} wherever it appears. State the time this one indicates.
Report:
{"hour": 5, "minute": 58}
